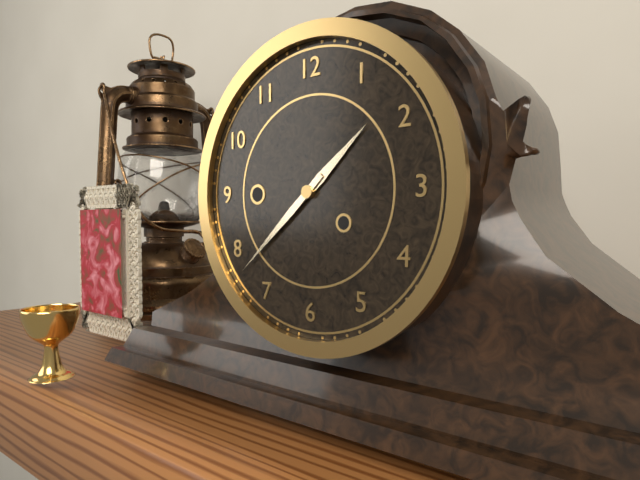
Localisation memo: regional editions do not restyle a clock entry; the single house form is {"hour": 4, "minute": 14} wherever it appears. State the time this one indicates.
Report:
{"hour": 1, "minute": 38}
